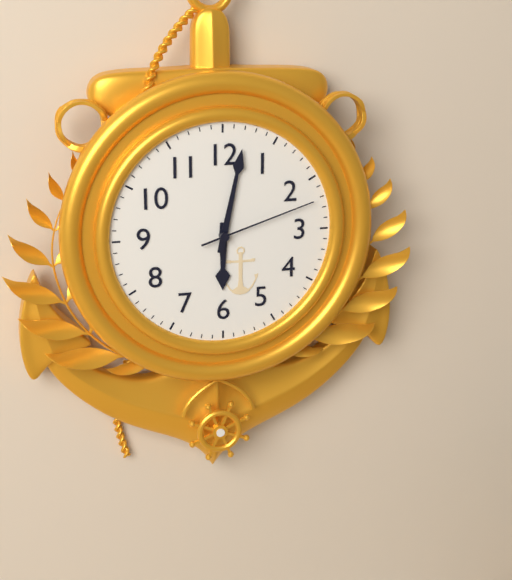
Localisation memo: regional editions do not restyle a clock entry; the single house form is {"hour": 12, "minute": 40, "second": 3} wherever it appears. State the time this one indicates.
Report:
{"hour": 6, "minute": 2, "second": 12}
